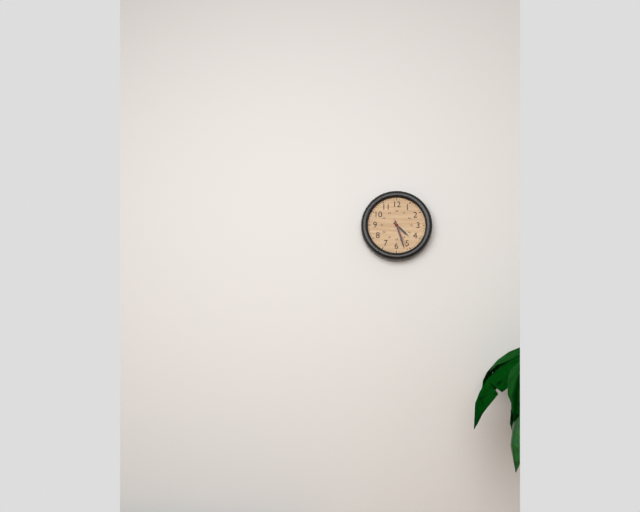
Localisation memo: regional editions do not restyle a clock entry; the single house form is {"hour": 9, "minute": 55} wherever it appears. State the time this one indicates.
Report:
{"hour": 4, "minute": 27}
